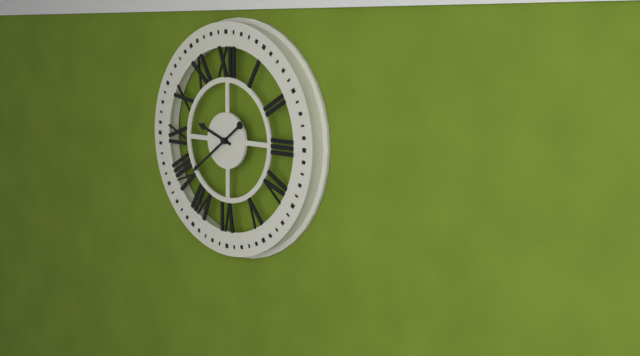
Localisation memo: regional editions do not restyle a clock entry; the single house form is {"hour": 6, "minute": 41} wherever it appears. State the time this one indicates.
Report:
{"hour": 9, "minute": 39}
